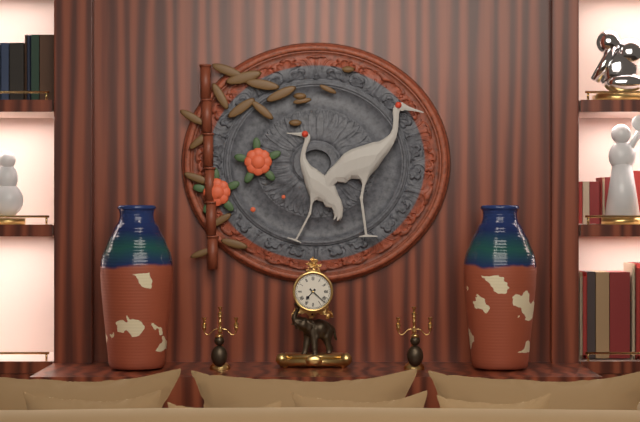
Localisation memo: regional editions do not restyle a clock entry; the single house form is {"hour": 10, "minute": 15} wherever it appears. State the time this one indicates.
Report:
{"hour": 7, "minute": 22}
